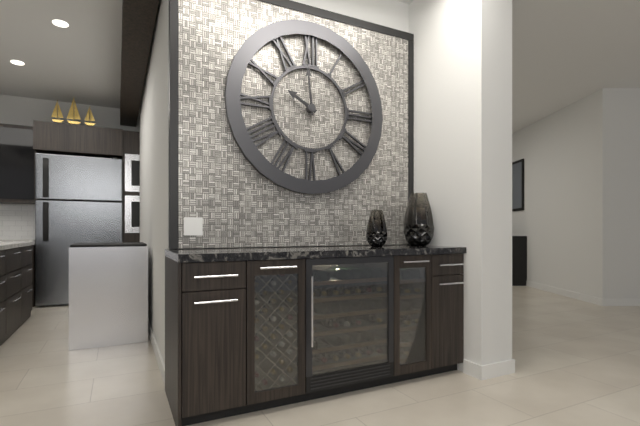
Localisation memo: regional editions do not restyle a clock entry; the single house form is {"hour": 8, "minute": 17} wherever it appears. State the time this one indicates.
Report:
{"hour": 9, "minute": 59}
